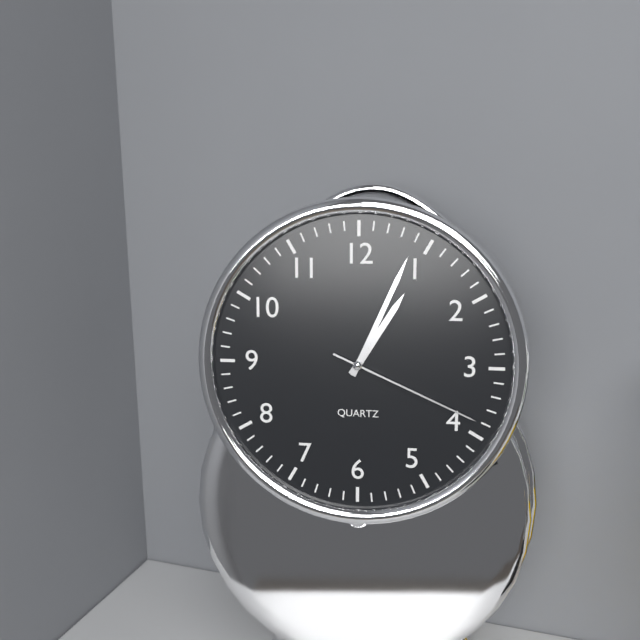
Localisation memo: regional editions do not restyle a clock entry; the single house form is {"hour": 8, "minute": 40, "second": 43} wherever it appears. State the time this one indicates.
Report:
{"hour": 1, "minute": 4, "second": 19}
